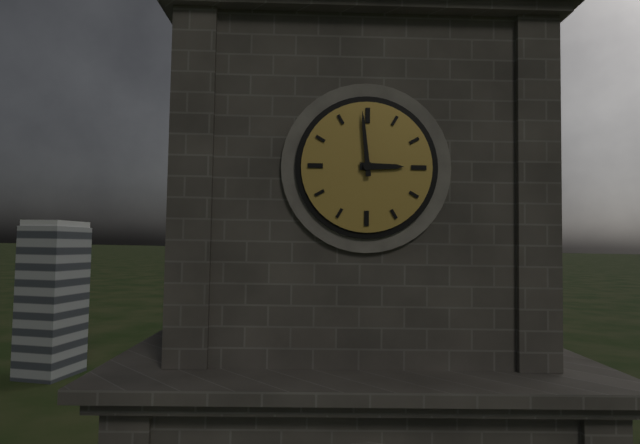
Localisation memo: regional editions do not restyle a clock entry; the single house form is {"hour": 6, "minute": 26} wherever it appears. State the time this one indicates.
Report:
{"hour": 2, "minute": 59}
